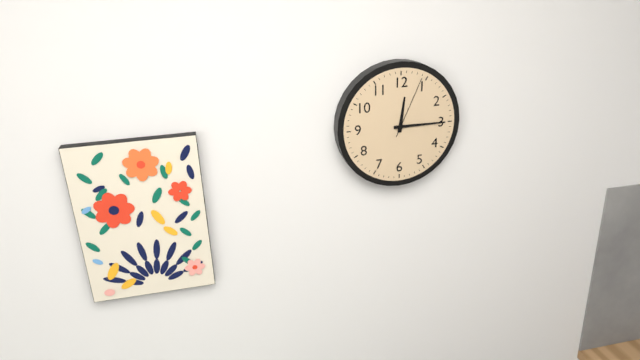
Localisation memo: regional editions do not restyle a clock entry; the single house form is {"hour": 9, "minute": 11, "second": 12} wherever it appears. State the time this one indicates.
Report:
{"hour": 12, "minute": 15, "second": 4}
